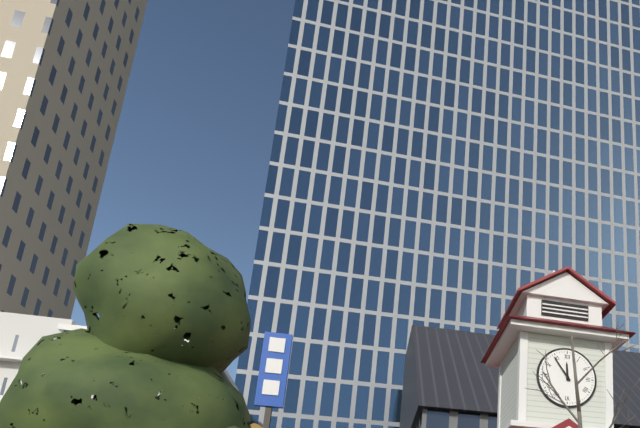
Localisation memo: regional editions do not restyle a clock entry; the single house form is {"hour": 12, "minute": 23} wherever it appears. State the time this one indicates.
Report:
{"hour": 11, "minute": 54}
